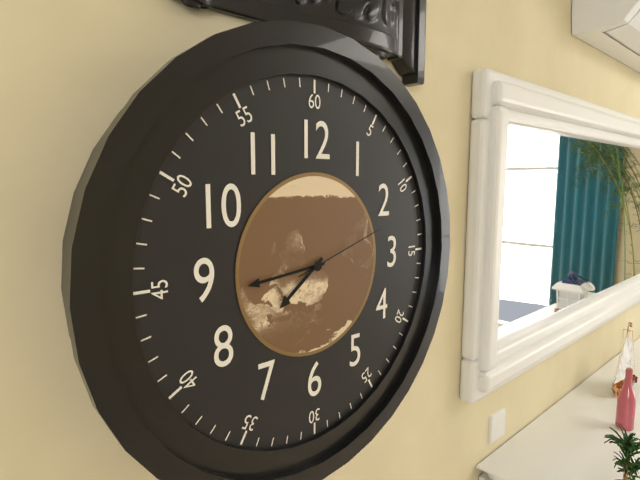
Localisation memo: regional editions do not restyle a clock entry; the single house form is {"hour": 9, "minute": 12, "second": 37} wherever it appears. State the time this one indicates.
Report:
{"hour": 7, "minute": 44, "second": 12}
